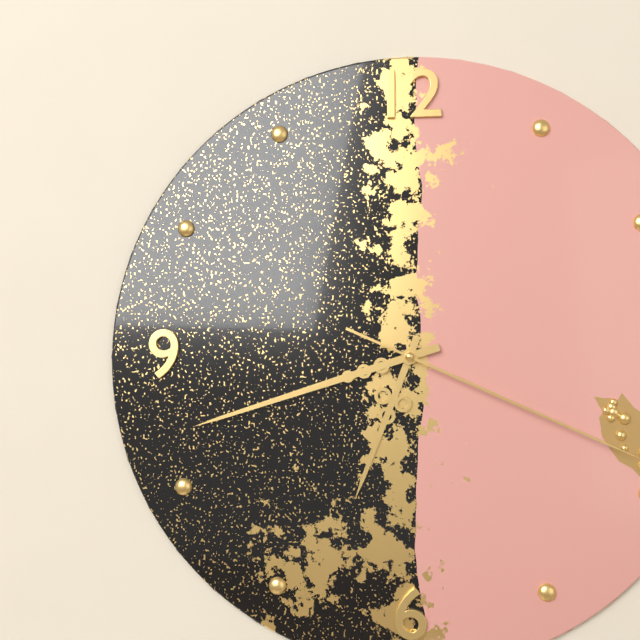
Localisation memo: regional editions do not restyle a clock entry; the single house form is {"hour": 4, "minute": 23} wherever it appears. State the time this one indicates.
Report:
{"hour": 6, "minute": 42}
